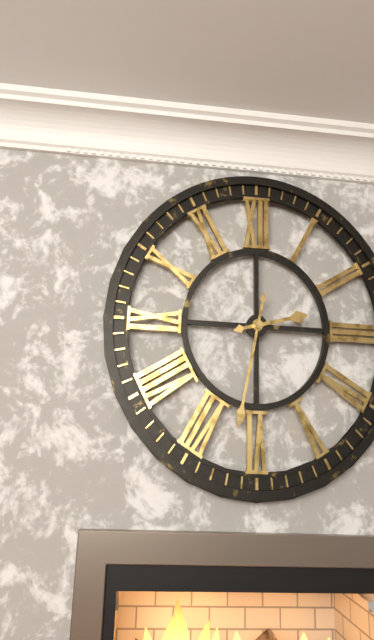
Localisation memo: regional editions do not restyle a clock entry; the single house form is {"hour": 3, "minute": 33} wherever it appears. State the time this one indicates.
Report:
{"hour": 2, "minute": 32}
